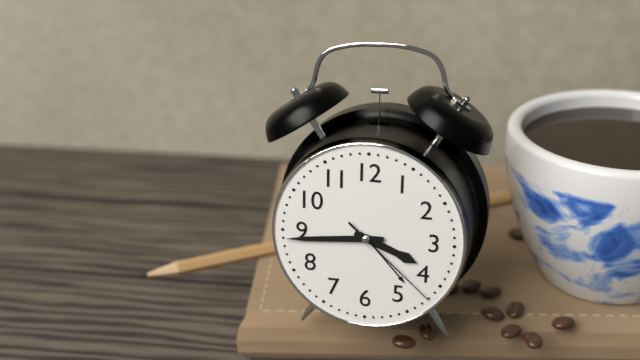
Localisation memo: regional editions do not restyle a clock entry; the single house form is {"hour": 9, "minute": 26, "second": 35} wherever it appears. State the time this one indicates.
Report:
{"hour": 3, "minute": 44, "second": 22}
